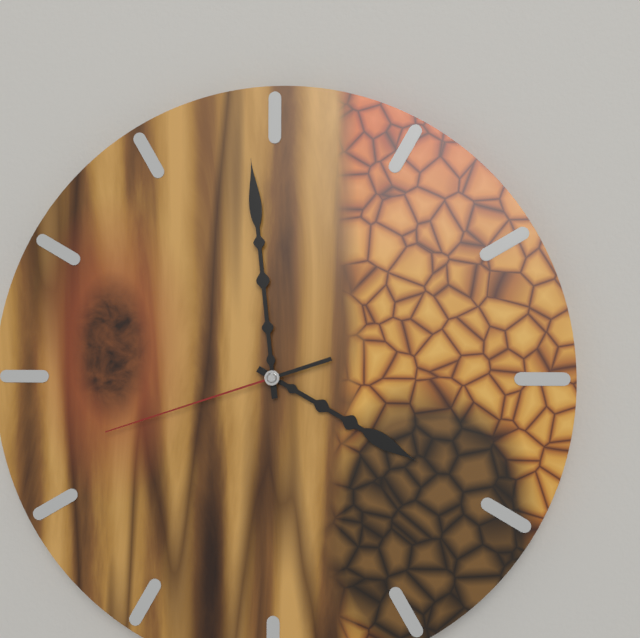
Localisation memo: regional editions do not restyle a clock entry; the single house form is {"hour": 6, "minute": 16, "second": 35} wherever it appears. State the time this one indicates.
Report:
{"hour": 3, "minute": 59, "second": 42}
